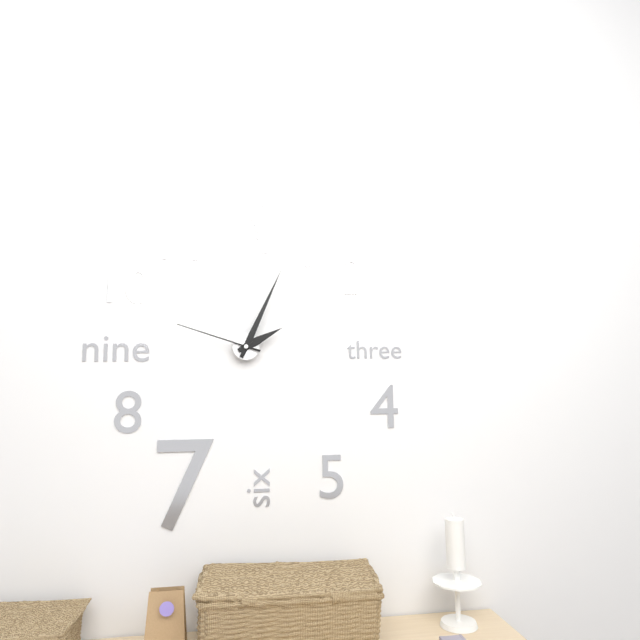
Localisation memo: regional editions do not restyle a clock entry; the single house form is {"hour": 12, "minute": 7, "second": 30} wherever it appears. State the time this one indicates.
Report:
{"hour": 2, "minute": 4, "second": 48}
